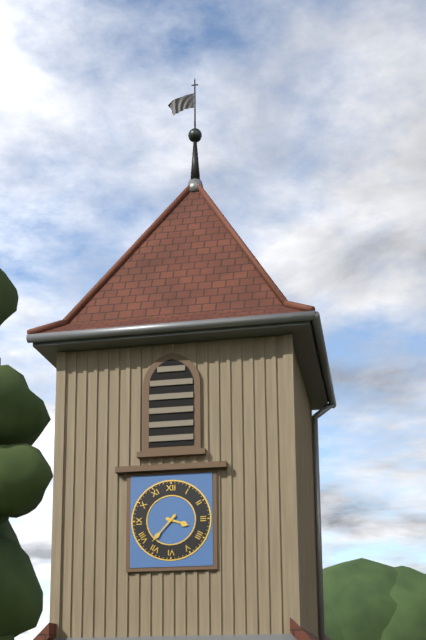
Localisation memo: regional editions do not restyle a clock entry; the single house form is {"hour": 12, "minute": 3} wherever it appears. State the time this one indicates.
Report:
{"hour": 3, "minute": 37}
